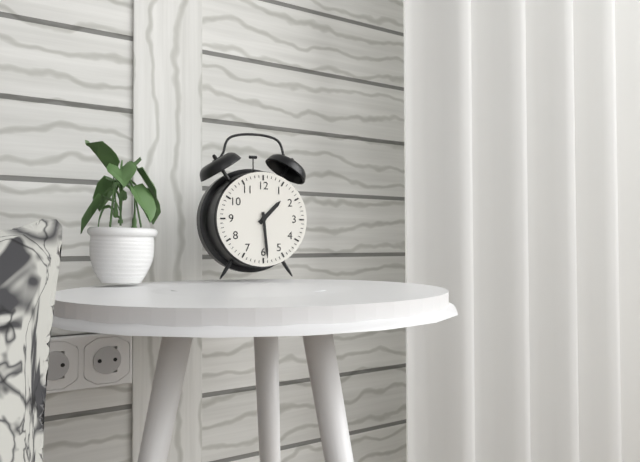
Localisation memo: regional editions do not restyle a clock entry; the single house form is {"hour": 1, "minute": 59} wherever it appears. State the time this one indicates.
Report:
{"hour": 1, "minute": 29}
